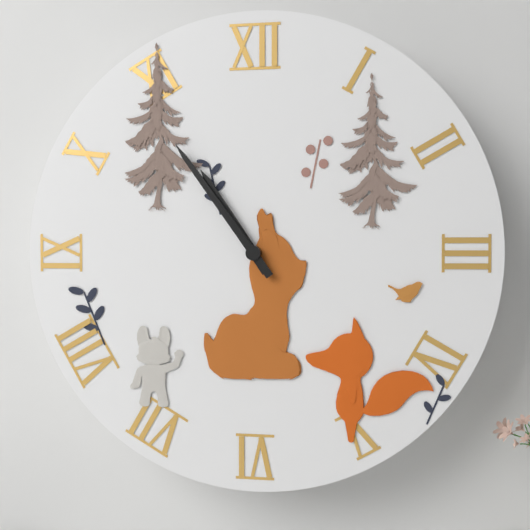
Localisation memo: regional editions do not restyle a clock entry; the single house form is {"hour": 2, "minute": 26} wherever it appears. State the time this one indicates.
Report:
{"hour": 10, "minute": 54}
